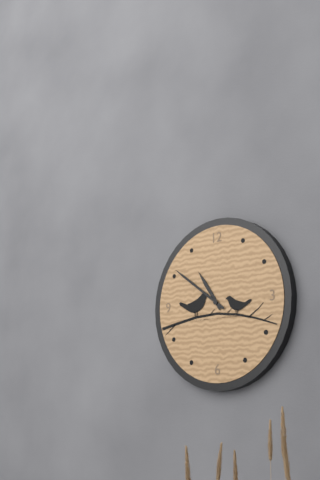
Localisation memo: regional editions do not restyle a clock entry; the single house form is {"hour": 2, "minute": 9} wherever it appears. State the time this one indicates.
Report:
{"hour": 10, "minute": 51}
